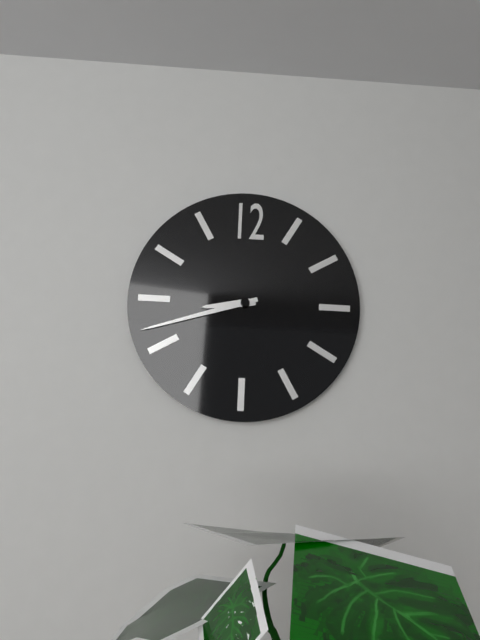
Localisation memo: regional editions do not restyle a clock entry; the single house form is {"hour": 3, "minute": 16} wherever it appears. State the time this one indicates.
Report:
{"hour": 8, "minute": 42}
